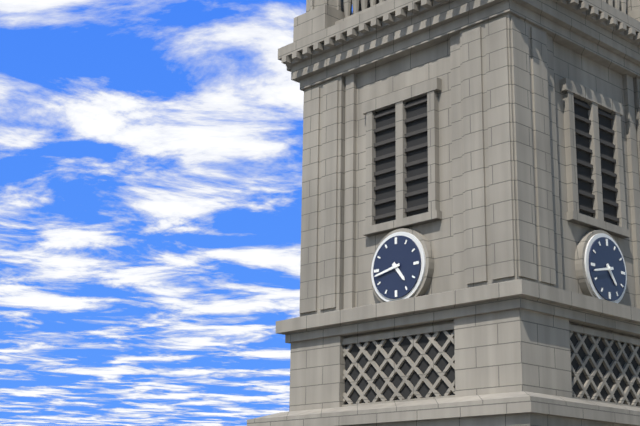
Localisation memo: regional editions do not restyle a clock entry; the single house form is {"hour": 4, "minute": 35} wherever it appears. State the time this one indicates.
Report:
{"hour": 4, "minute": 43}
